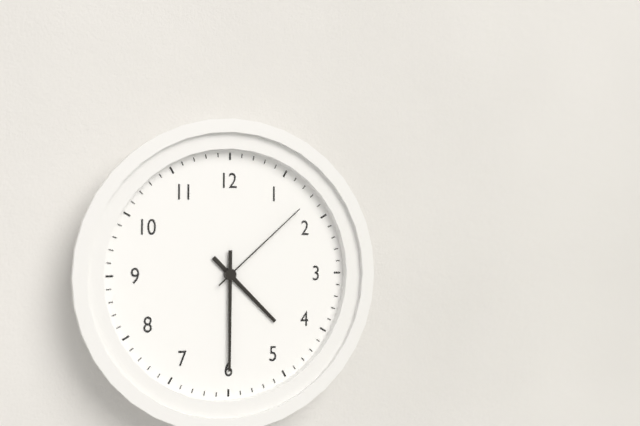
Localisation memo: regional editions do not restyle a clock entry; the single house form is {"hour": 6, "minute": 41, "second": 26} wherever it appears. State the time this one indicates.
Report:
{"hour": 4, "minute": 30, "second": 8}
